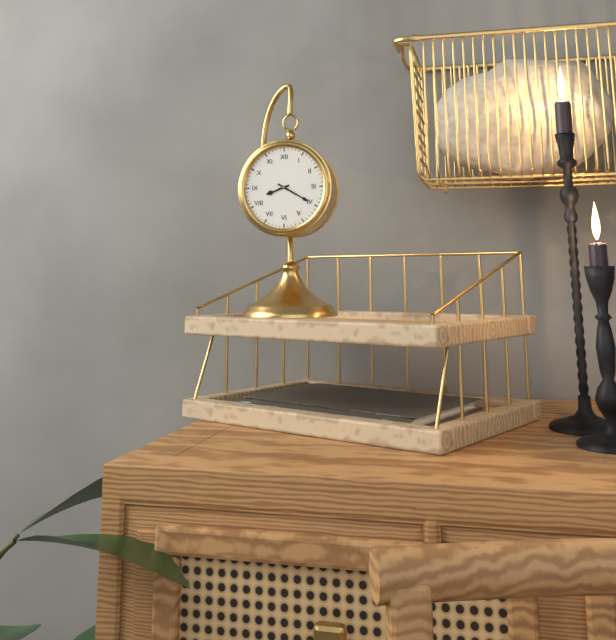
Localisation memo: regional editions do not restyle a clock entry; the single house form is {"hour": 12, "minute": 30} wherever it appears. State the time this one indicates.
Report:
{"hour": 8, "minute": 20}
